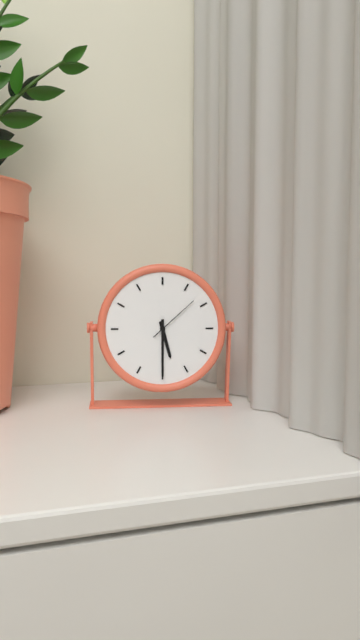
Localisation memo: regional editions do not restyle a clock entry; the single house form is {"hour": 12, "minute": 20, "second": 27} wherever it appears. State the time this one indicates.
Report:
{"hour": 5, "minute": 30, "second": 8}
